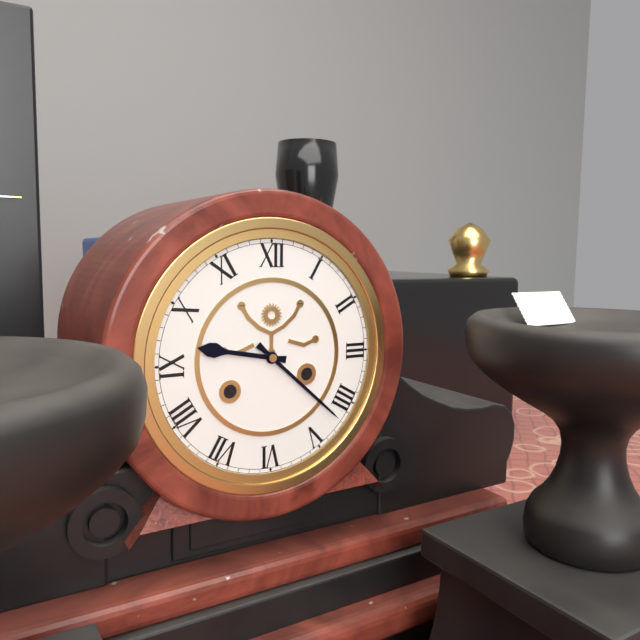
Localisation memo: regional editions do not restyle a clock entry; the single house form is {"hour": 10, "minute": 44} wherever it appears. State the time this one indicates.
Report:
{"hour": 9, "minute": 22}
